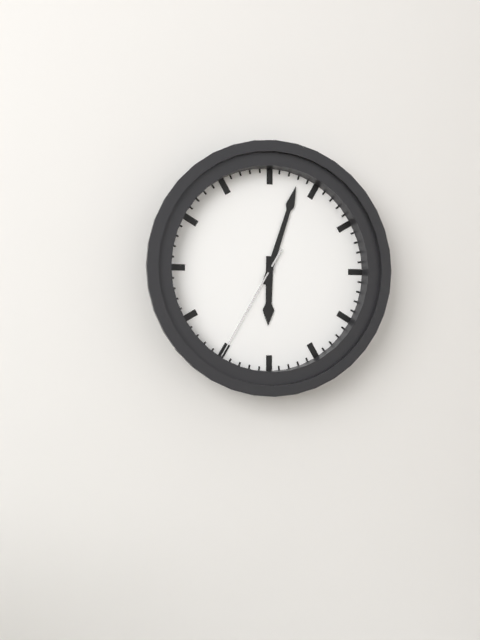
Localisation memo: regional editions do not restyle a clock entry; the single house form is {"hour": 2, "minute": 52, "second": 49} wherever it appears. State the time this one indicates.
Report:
{"hour": 6, "minute": 3, "second": 35}
